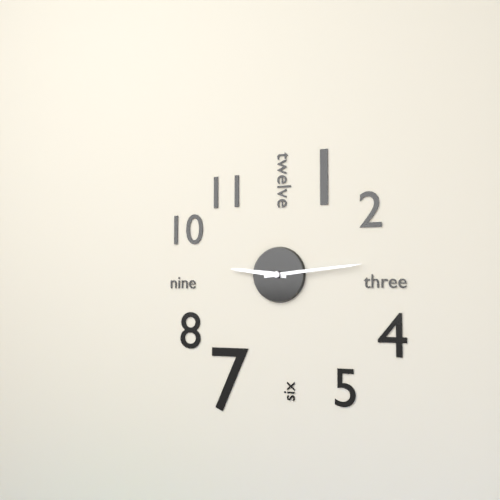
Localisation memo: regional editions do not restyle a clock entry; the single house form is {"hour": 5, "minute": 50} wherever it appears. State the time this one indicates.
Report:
{"hour": 9, "minute": 14}
